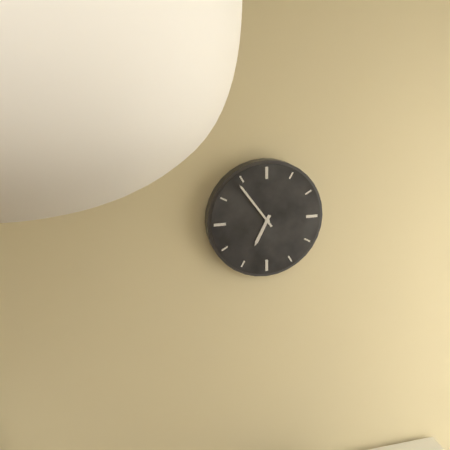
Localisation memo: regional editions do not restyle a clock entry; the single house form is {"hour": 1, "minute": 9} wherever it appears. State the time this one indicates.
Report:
{"hour": 6, "minute": 54}
